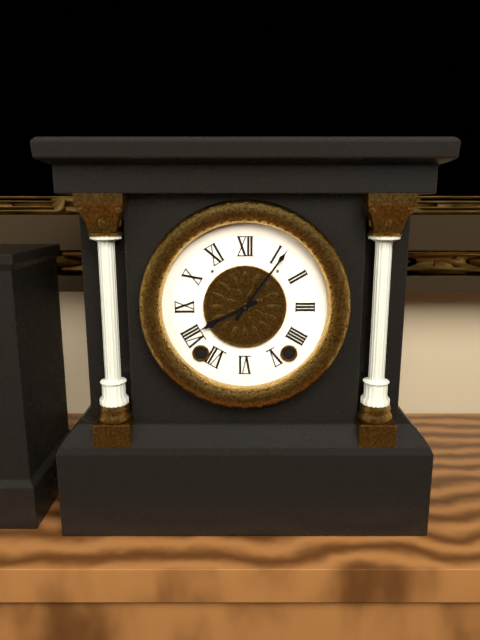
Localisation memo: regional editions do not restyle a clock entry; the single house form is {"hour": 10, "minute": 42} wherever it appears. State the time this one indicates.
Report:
{"hour": 8, "minute": 6}
